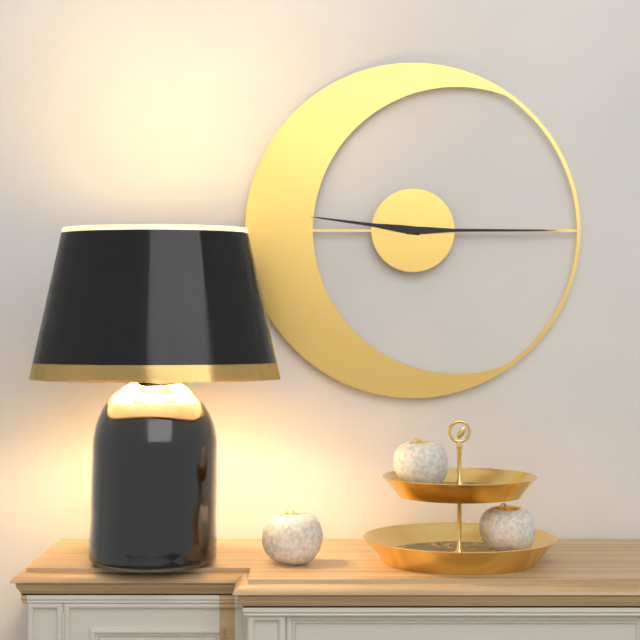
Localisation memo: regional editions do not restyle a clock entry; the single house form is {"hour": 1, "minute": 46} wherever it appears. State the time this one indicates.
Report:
{"hour": 9, "minute": 15}
